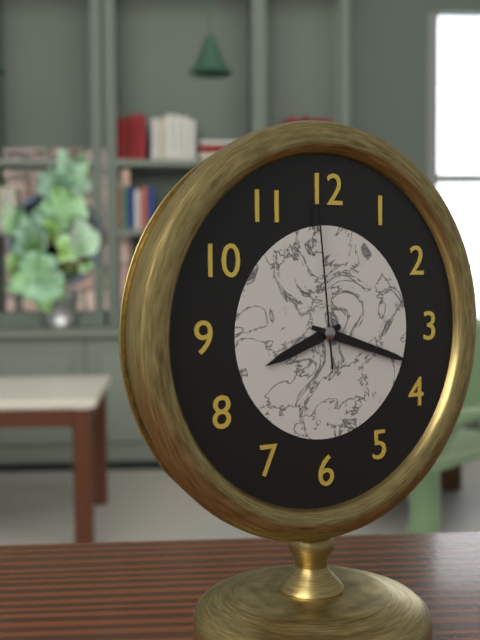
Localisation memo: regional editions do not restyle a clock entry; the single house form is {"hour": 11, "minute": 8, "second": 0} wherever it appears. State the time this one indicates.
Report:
{"hour": 8, "minute": 18, "second": 59}
